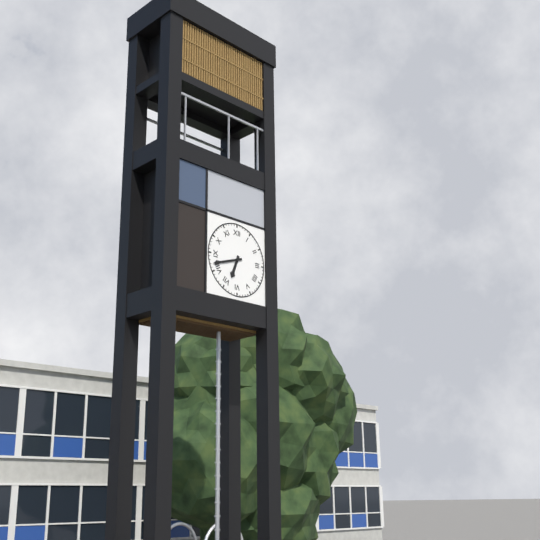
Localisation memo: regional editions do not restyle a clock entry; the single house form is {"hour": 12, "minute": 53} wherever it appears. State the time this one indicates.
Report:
{"hour": 6, "minute": 42}
